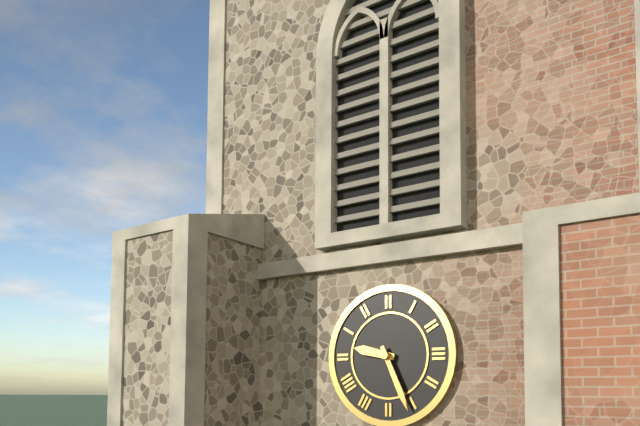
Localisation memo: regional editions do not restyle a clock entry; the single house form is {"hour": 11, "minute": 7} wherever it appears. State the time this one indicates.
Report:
{"hour": 9, "minute": 26}
